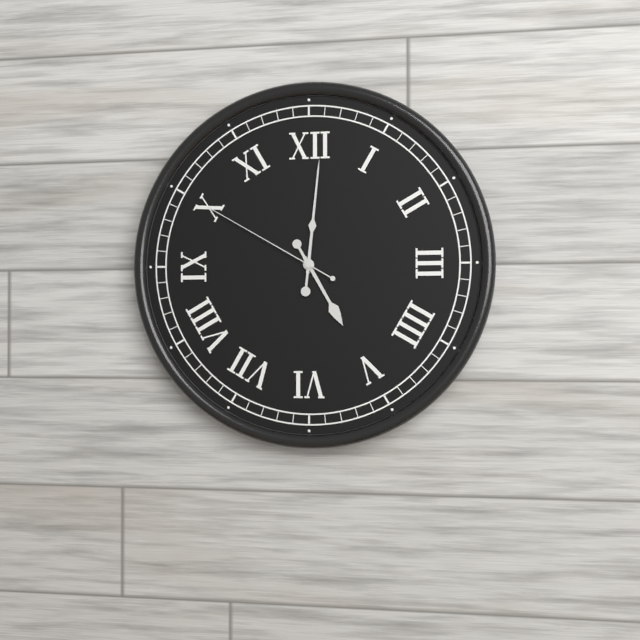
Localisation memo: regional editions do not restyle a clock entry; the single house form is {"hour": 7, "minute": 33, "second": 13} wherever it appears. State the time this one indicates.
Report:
{"hour": 5, "minute": 1, "second": 50}
